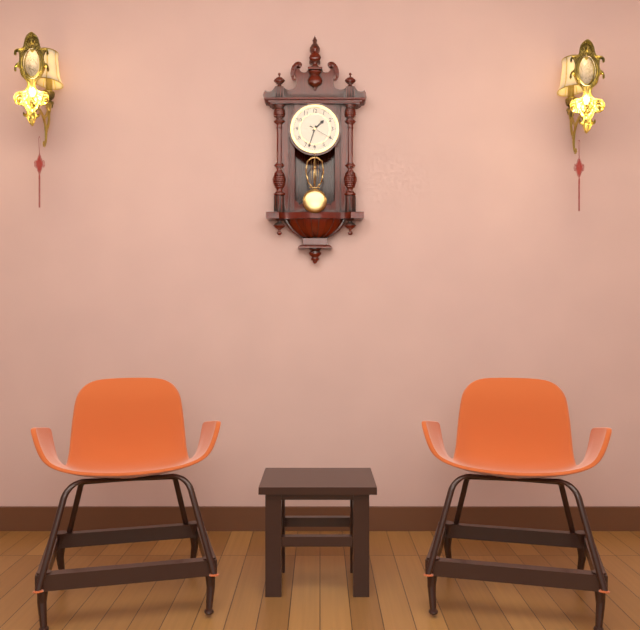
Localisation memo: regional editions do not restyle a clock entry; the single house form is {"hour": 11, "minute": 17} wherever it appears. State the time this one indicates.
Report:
{"hour": 1, "minute": 33}
